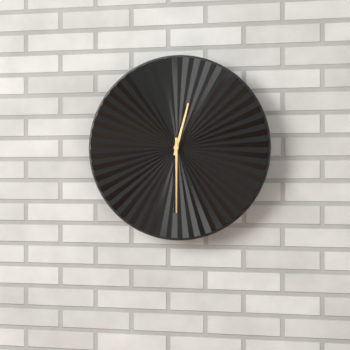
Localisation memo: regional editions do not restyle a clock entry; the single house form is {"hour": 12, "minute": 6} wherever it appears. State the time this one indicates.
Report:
{"hour": 12, "minute": 30}
